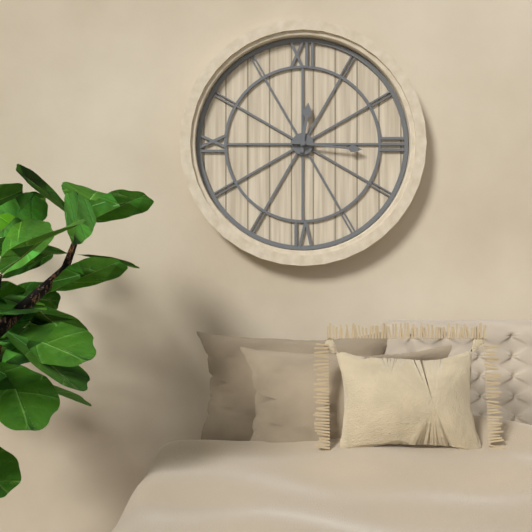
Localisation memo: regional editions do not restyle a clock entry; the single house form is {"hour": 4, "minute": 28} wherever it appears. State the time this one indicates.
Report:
{"hour": 12, "minute": 16}
